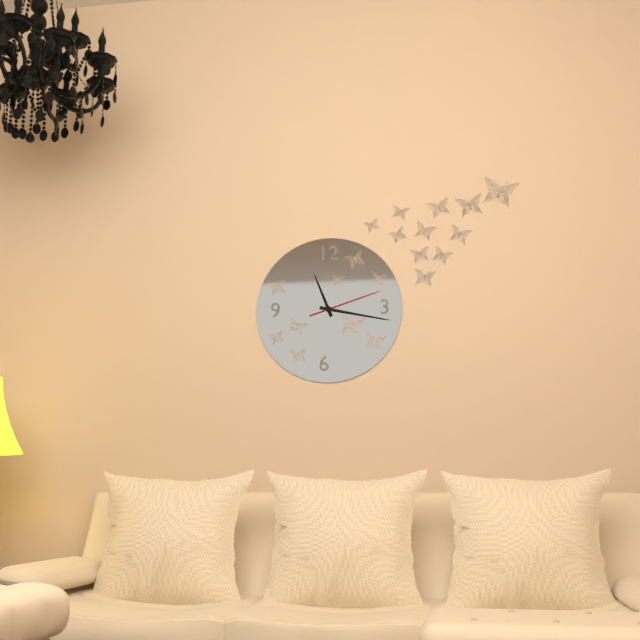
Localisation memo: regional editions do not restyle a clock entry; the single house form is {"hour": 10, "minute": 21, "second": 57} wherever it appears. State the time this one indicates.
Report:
{"hour": 11, "minute": 17, "second": 12}
